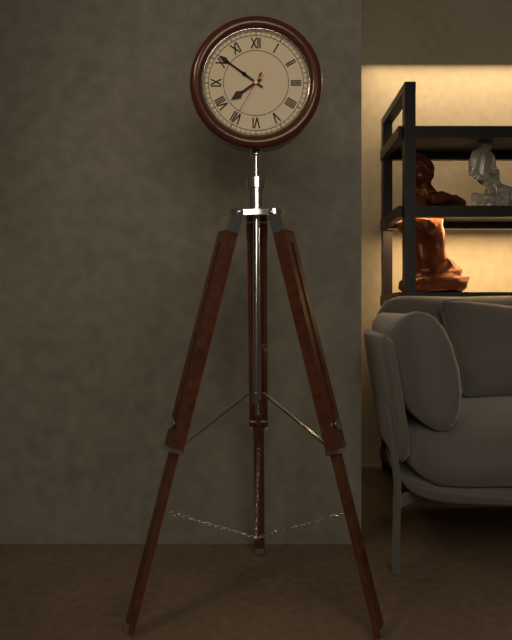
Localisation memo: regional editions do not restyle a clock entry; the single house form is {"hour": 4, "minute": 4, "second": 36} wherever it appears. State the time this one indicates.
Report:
{"hour": 7, "minute": 51, "second": 35}
